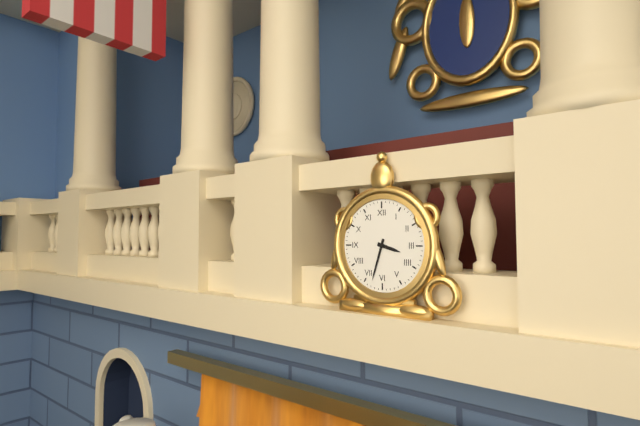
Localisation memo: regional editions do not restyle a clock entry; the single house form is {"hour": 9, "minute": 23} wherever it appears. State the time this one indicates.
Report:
{"hour": 3, "minute": 33}
